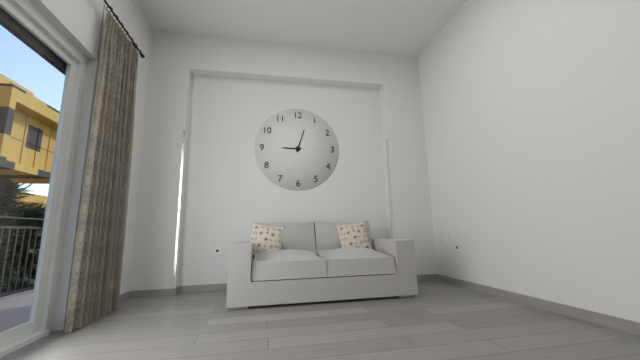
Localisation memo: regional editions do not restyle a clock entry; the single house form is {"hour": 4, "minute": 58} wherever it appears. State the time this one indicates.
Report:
{"hour": 9, "minute": 3}
